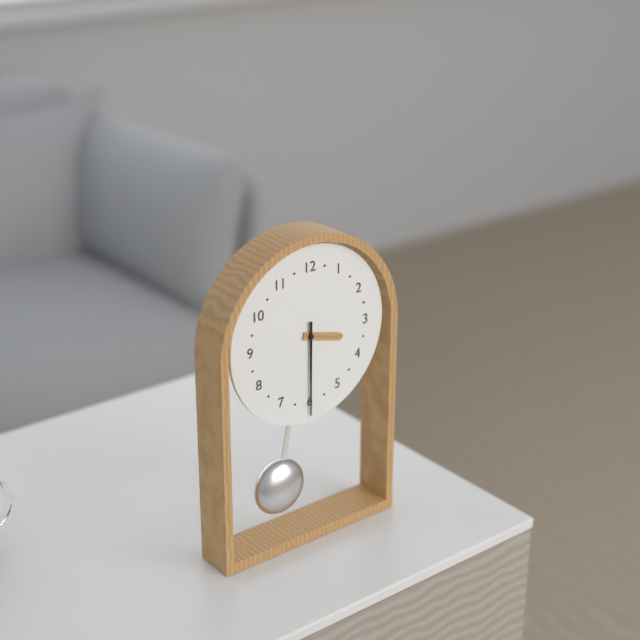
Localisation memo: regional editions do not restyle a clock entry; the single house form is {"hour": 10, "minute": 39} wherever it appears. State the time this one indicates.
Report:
{"hour": 3, "minute": 30}
